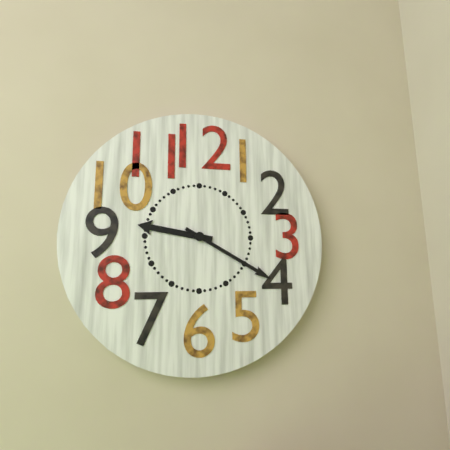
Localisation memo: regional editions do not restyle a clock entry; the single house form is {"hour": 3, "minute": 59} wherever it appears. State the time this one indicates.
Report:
{"hour": 9, "minute": 20}
